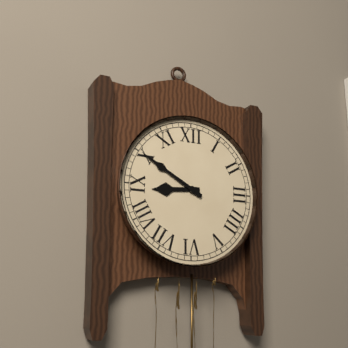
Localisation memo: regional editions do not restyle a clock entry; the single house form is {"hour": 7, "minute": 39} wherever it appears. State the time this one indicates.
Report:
{"hour": 8, "minute": 50}
